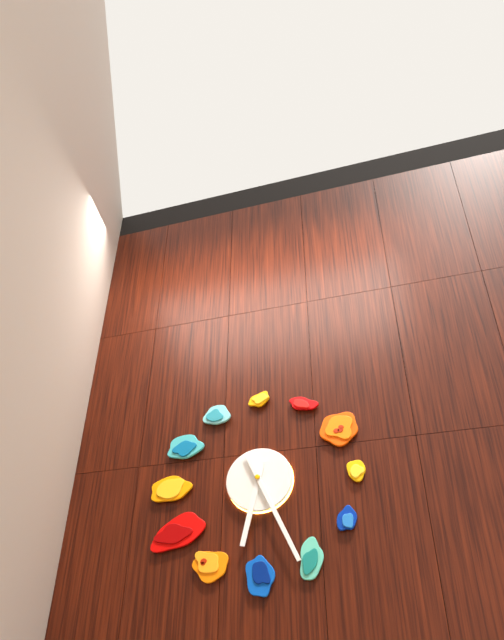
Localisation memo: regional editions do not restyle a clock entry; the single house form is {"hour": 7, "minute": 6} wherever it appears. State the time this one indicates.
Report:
{"hour": 6, "minute": 26}
